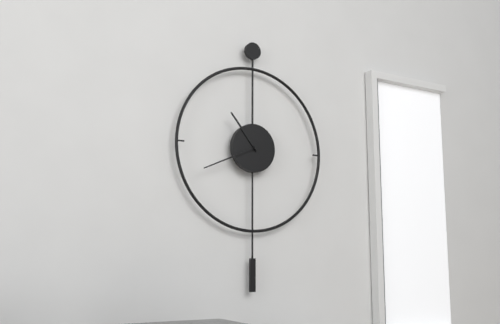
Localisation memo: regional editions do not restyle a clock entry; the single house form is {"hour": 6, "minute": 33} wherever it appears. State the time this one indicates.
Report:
{"hour": 10, "minute": 41}
